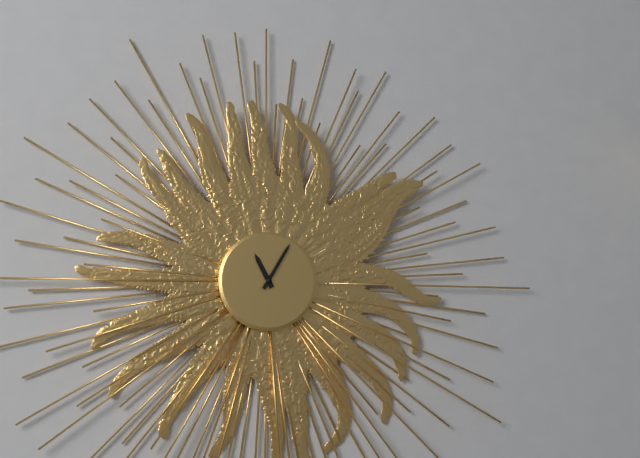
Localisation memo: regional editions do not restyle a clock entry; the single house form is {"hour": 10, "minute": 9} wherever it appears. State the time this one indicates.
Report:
{"hour": 11, "minute": 5}
